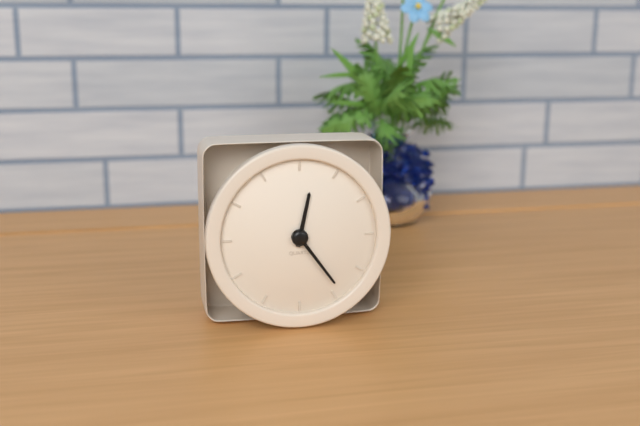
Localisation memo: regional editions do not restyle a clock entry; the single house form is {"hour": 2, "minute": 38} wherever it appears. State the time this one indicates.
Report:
{"hour": 12, "minute": 24}
